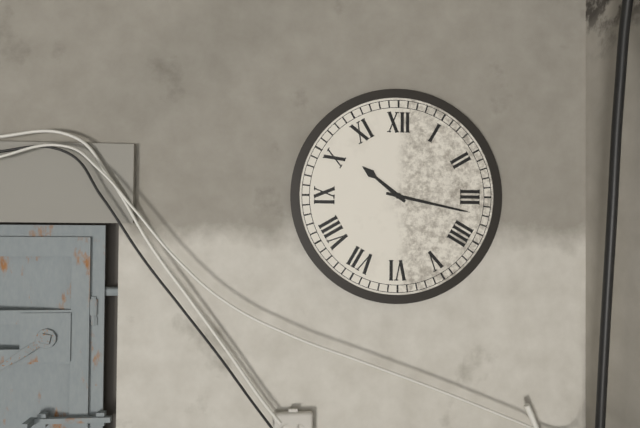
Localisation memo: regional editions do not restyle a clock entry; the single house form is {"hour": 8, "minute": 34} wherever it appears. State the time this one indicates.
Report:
{"hour": 10, "minute": 17}
